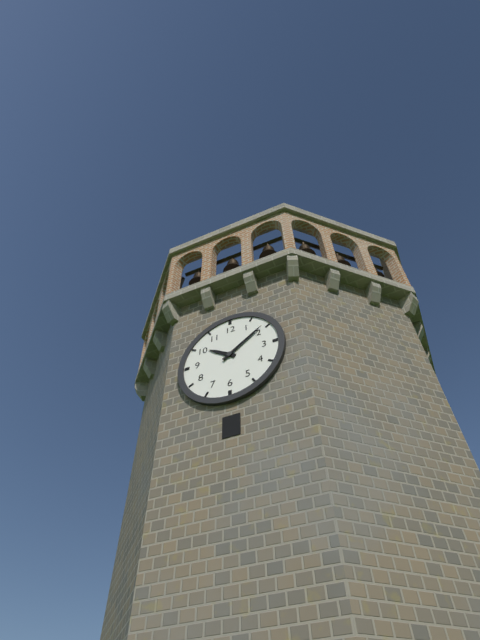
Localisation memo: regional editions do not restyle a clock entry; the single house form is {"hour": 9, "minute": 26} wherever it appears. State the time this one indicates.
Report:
{"hour": 10, "minute": 9}
